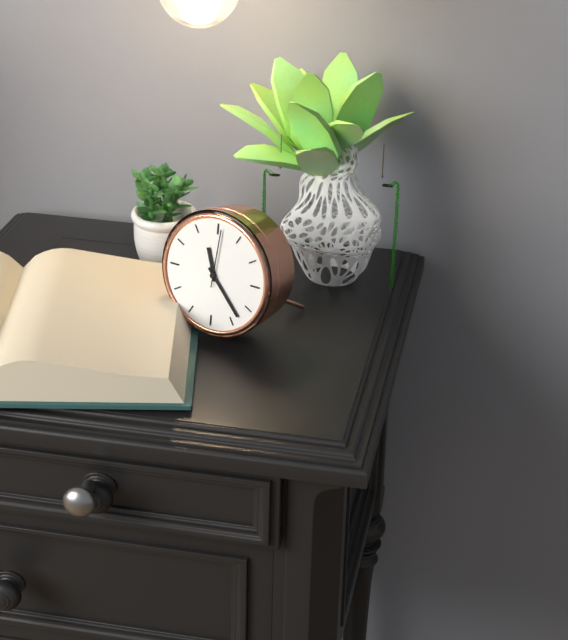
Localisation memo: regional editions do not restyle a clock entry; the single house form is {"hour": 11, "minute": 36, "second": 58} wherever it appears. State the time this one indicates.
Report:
{"hour": 11, "minute": 23, "second": 1}
